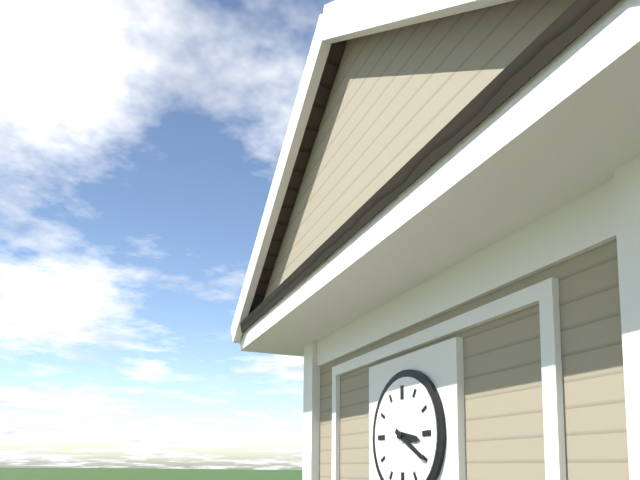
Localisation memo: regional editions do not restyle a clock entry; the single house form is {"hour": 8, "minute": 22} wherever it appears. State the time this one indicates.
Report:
{"hour": 3, "minute": 20}
